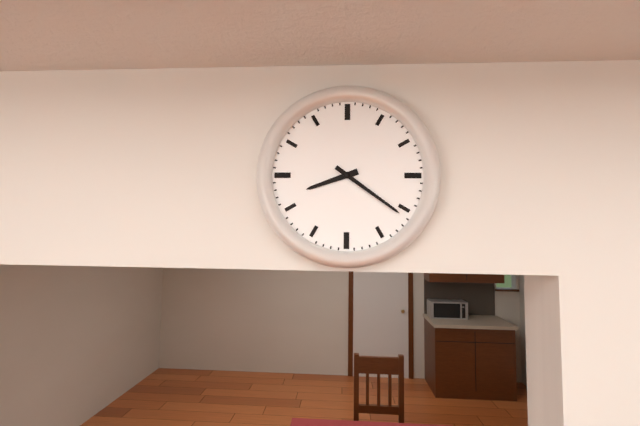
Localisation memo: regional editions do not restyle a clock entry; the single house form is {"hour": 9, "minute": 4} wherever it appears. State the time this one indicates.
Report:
{"hour": 8, "minute": 21}
